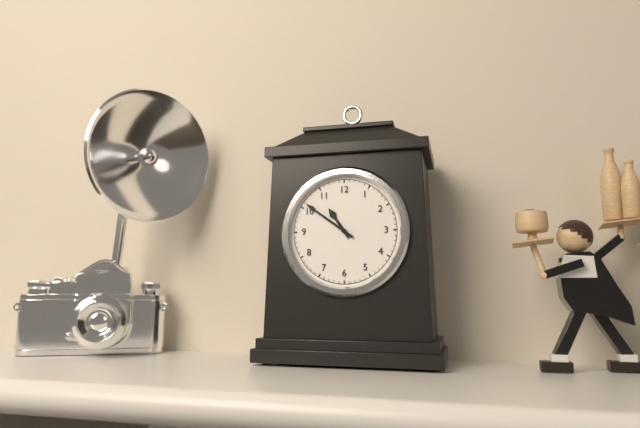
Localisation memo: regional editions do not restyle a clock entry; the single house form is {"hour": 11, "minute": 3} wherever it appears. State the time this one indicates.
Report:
{"hour": 10, "minute": 51}
